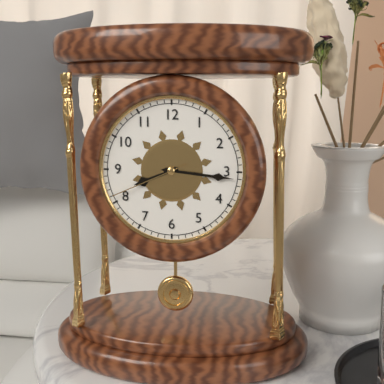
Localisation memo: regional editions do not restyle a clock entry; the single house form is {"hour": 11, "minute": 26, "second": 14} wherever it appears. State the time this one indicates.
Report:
{"hour": 8, "minute": 16, "second": 41}
